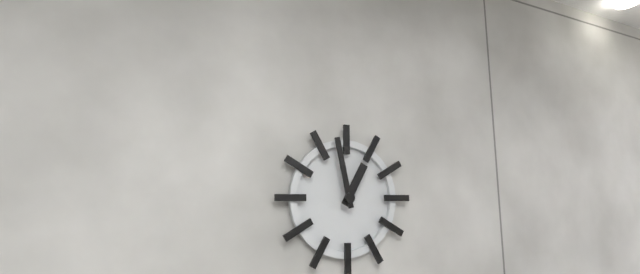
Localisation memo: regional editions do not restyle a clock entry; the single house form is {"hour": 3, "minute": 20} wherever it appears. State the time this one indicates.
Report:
{"hour": 12, "minute": 58}
